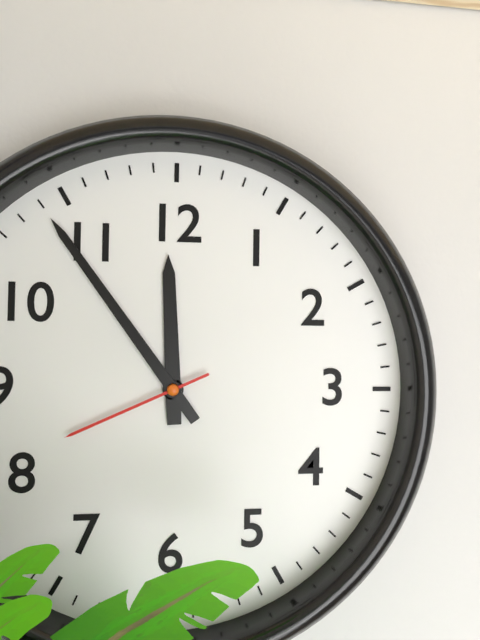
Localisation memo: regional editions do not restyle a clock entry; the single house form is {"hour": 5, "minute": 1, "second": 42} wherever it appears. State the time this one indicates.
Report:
{"hour": 11, "minute": 54, "second": 41}
